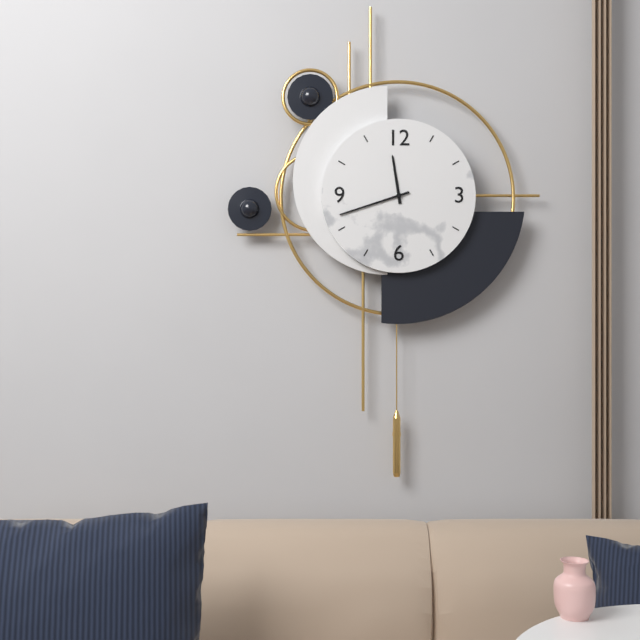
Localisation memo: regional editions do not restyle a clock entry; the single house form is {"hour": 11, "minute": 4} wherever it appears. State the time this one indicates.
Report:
{"hour": 11, "minute": 42}
